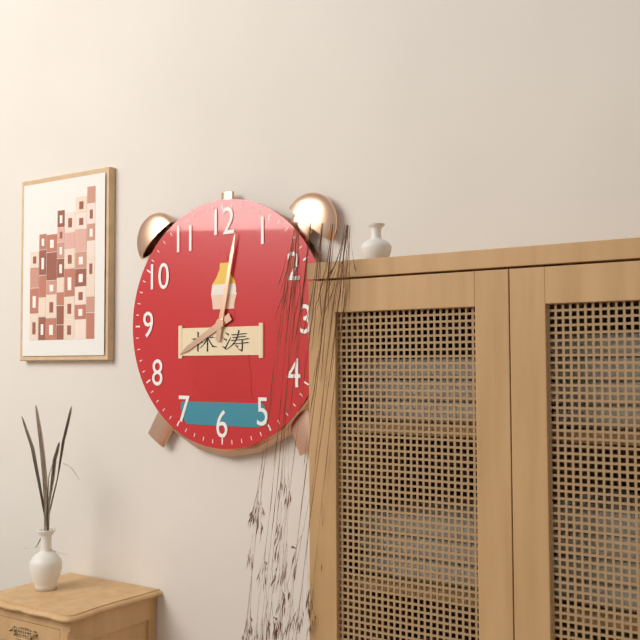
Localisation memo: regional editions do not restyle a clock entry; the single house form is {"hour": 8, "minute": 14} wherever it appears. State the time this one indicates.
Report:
{"hour": 8, "minute": 2}
